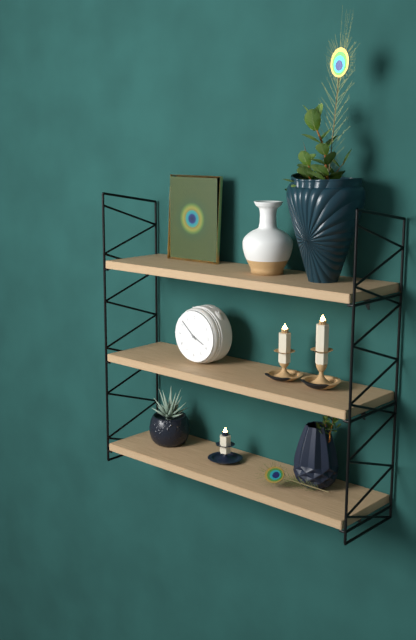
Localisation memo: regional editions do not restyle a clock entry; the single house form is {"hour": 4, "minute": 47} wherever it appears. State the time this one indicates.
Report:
{"hour": 3, "minute": 52}
